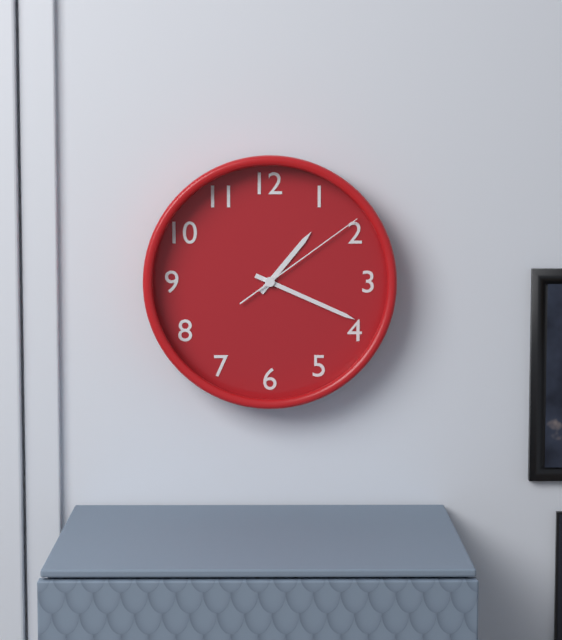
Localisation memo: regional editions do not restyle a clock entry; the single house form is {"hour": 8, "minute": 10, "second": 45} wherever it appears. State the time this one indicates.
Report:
{"hour": 1, "minute": 19, "second": 9}
